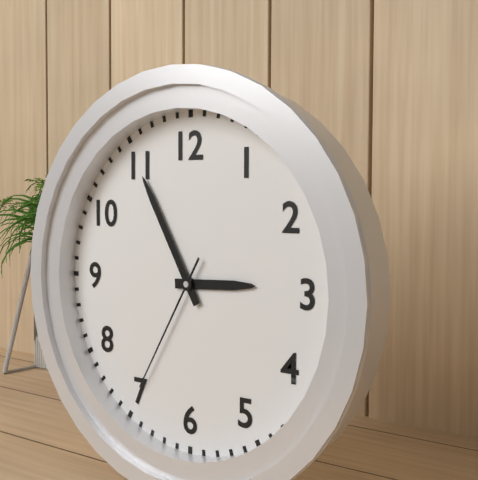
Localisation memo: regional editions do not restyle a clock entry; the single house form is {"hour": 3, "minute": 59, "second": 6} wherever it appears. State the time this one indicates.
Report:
{"hour": 2, "minute": 55, "second": 35}
